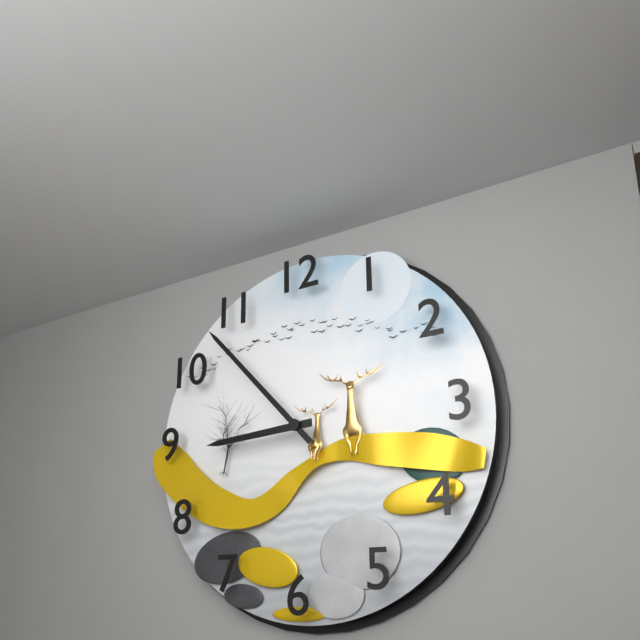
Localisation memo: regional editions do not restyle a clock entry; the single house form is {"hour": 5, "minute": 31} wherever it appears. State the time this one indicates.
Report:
{"hour": 8, "minute": 53}
